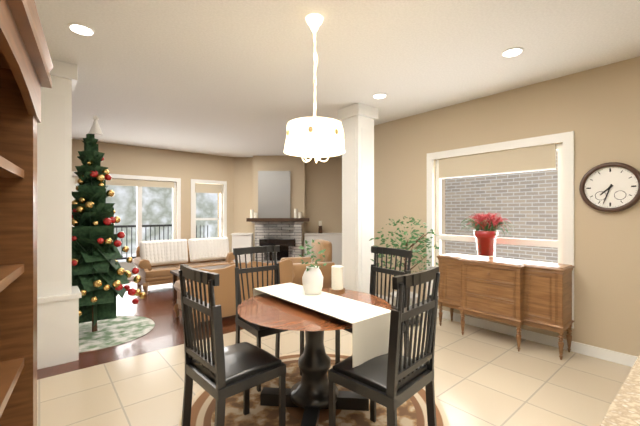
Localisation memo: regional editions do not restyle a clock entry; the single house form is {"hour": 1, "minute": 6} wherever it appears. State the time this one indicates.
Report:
{"hour": 7, "minute": 33}
